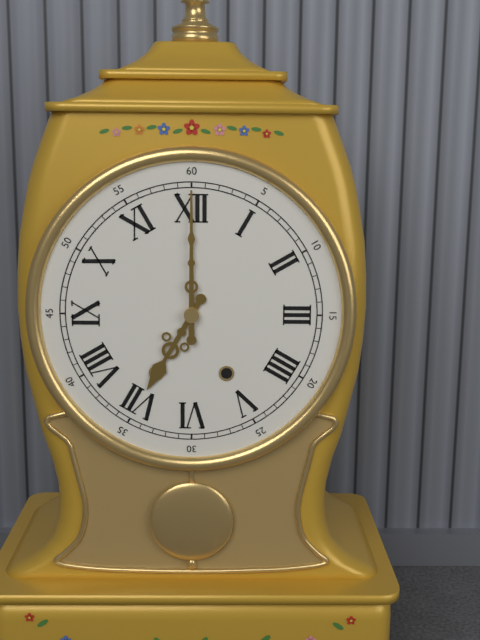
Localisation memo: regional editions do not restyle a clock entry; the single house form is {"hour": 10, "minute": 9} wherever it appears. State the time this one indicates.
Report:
{"hour": 7, "minute": 0}
